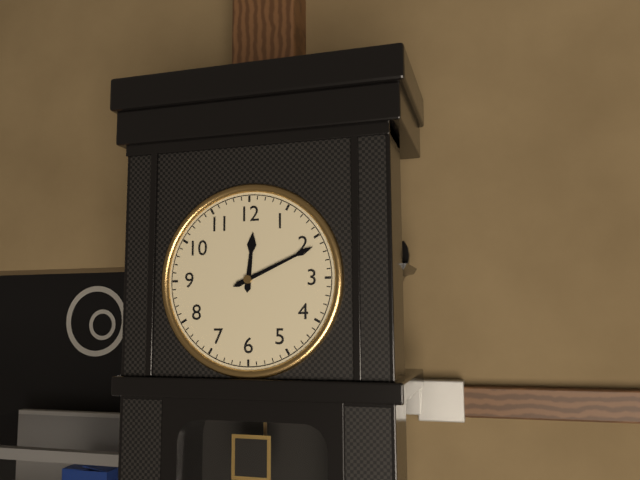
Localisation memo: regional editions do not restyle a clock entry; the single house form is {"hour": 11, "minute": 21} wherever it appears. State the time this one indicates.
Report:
{"hour": 12, "minute": 11}
